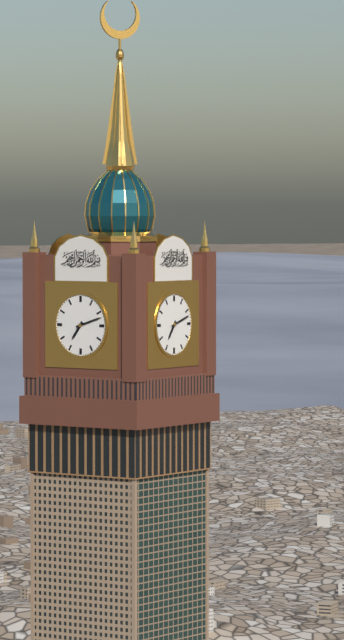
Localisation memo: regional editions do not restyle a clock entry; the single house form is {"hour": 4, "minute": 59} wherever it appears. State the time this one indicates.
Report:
{"hour": 7, "minute": 12}
